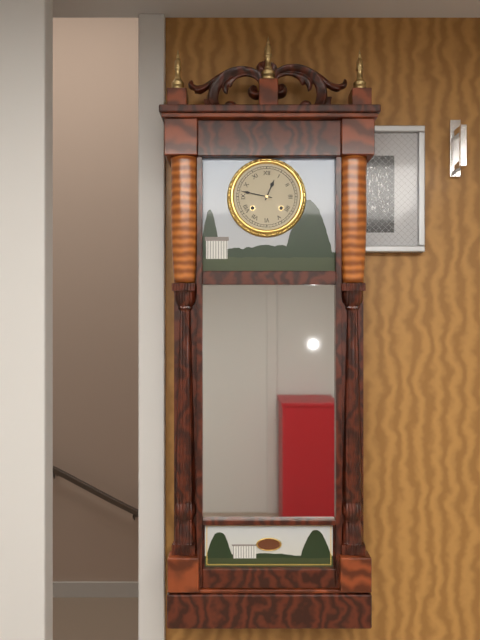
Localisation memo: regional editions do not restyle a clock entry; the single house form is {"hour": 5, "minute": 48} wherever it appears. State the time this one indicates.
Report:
{"hour": 12, "minute": 47}
